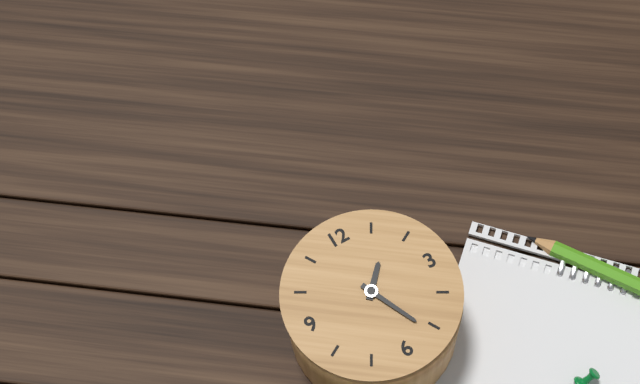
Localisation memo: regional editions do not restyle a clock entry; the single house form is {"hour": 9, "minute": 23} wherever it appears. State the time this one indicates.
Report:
{"hour": 1, "minute": 26}
